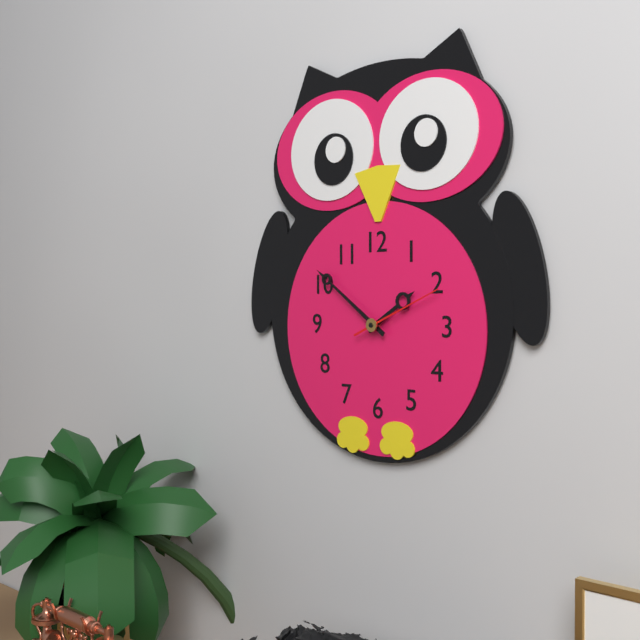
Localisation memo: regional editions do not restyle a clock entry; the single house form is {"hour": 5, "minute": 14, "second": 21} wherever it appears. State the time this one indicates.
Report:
{"hour": 1, "minute": 51, "second": 11}
